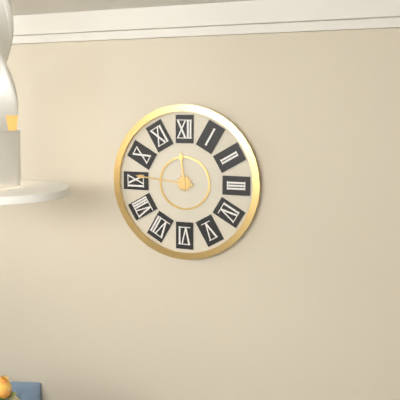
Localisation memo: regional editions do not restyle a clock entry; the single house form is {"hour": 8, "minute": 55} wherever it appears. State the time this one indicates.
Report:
{"hour": 11, "minute": 46}
